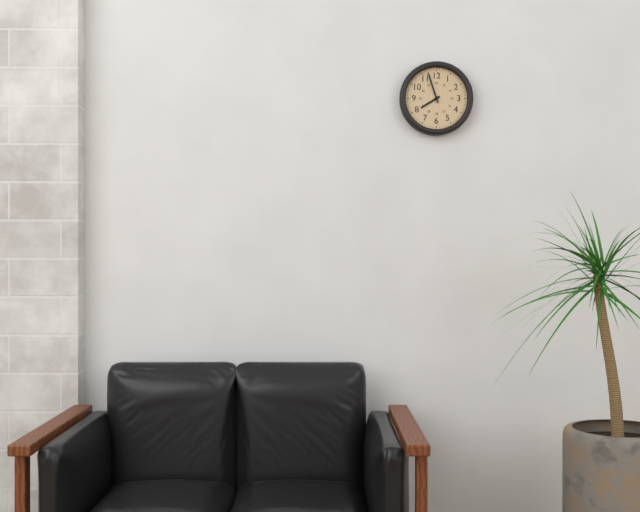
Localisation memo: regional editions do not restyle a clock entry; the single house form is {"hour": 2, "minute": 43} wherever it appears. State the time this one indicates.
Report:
{"hour": 7, "minute": 57}
